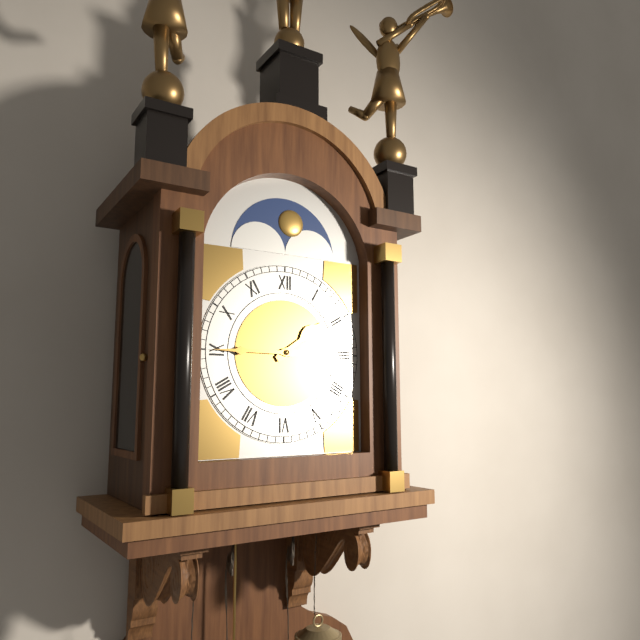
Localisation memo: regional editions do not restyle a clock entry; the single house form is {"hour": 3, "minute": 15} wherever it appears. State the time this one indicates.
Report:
{"hour": 1, "minute": 45}
